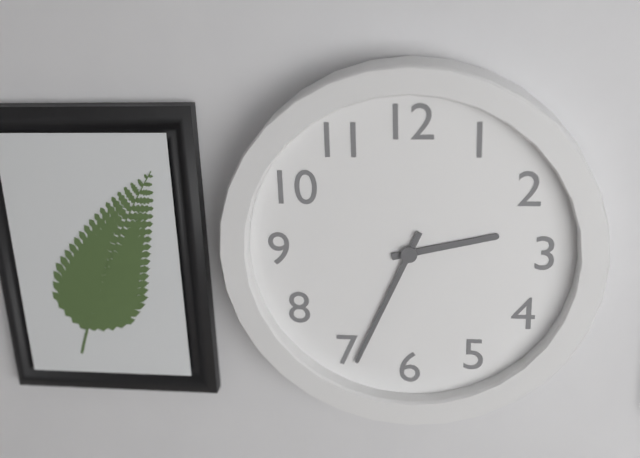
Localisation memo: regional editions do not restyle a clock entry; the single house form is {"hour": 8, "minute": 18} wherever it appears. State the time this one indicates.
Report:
{"hour": 2, "minute": 34}
